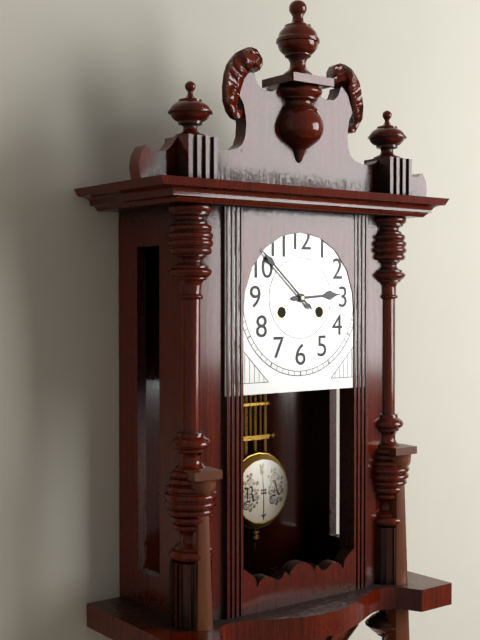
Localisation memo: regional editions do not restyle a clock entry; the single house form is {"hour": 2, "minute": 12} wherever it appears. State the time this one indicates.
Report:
{"hour": 2, "minute": 52}
